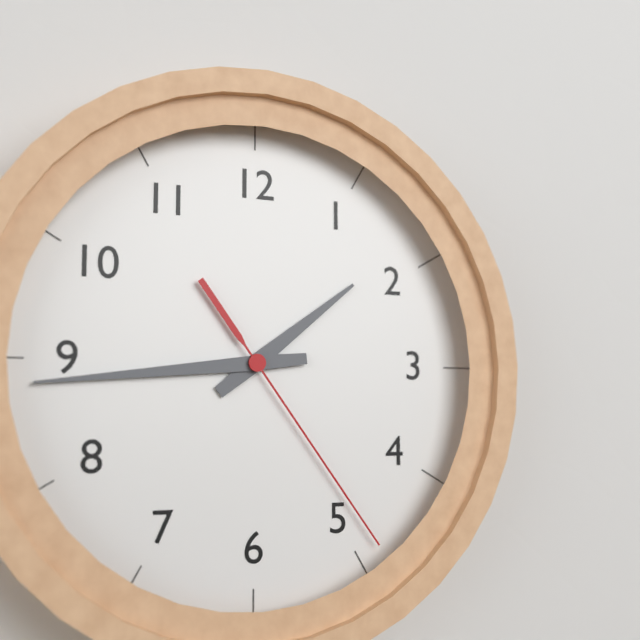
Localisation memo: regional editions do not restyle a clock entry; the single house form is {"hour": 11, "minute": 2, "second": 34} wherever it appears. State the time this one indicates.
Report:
{"hour": 1, "minute": 44, "second": 24}
